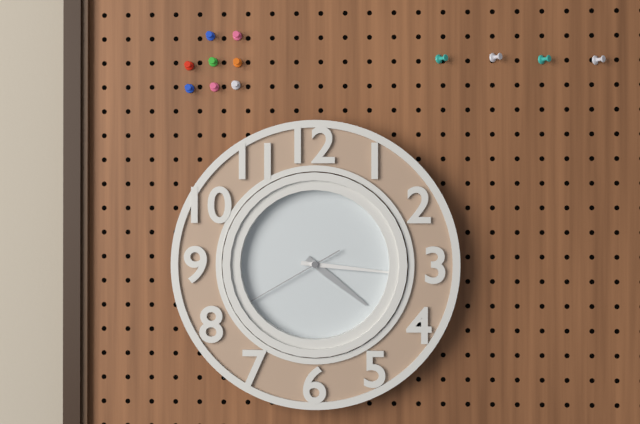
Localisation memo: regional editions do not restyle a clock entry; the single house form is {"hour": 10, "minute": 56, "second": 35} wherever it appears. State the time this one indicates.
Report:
{"hour": 4, "minute": 16, "second": 40}
